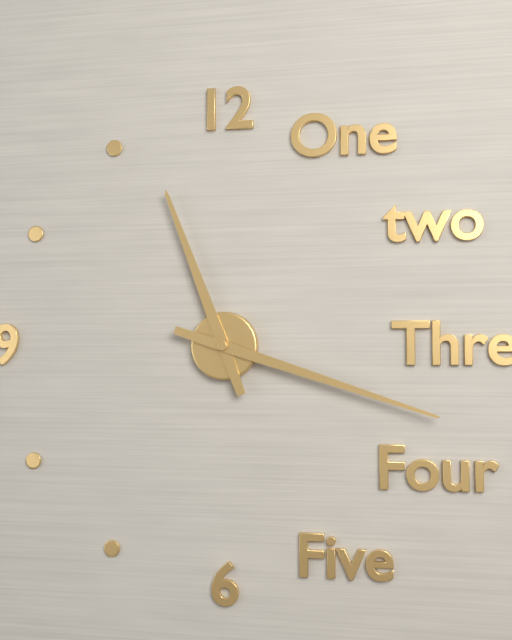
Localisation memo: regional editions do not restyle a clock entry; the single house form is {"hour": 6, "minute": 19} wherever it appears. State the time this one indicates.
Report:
{"hour": 11, "minute": 18}
